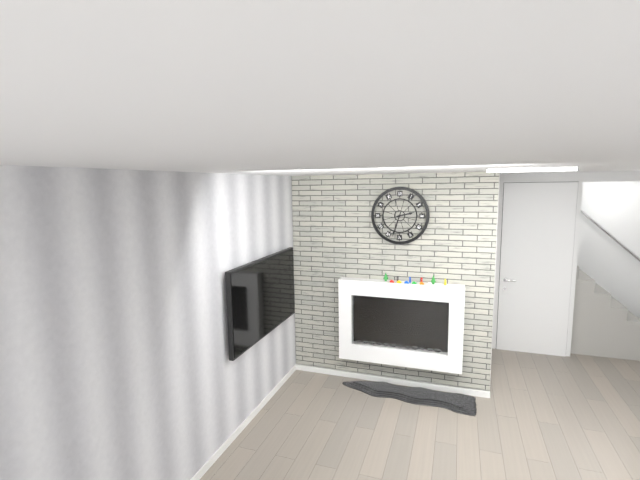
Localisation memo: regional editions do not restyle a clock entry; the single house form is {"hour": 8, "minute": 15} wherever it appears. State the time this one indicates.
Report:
{"hour": 2, "minute": 33}
